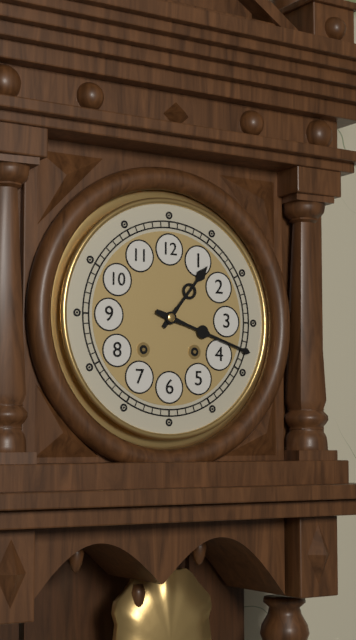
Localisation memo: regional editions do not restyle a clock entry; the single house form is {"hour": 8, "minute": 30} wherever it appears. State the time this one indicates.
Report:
{"hour": 1, "minute": 18}
